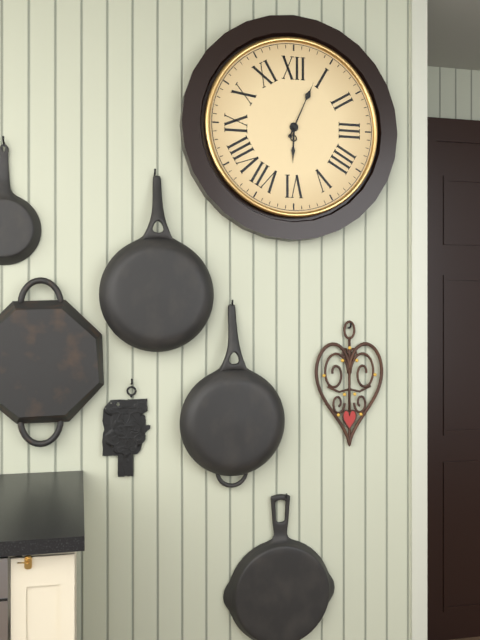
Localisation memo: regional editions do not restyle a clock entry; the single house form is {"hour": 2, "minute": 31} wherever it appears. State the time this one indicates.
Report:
{"hour": 6, "minute": 4}
